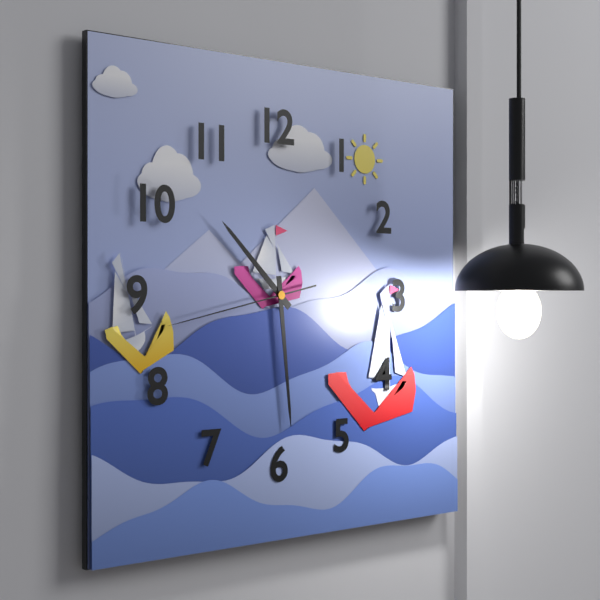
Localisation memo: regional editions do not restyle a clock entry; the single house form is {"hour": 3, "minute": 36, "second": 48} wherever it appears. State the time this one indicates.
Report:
{"hour": 10, "minute": 29, "second": 43}
